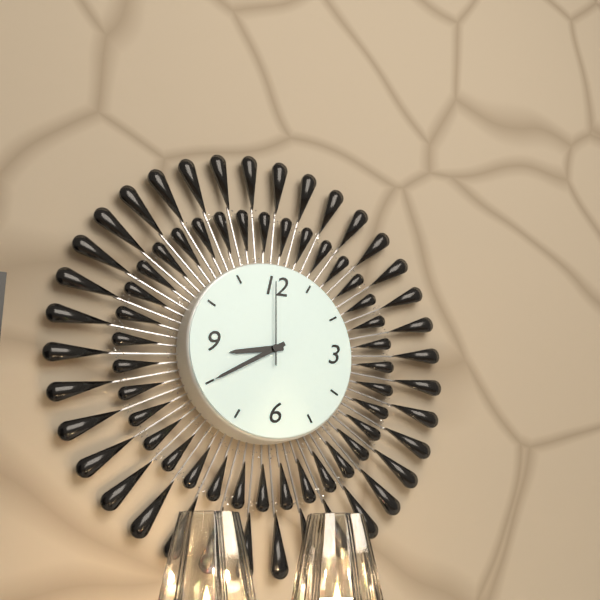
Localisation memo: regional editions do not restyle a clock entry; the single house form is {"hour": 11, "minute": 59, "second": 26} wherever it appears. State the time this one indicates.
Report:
{"hour": 8, "minute": 40, "second": 0}
